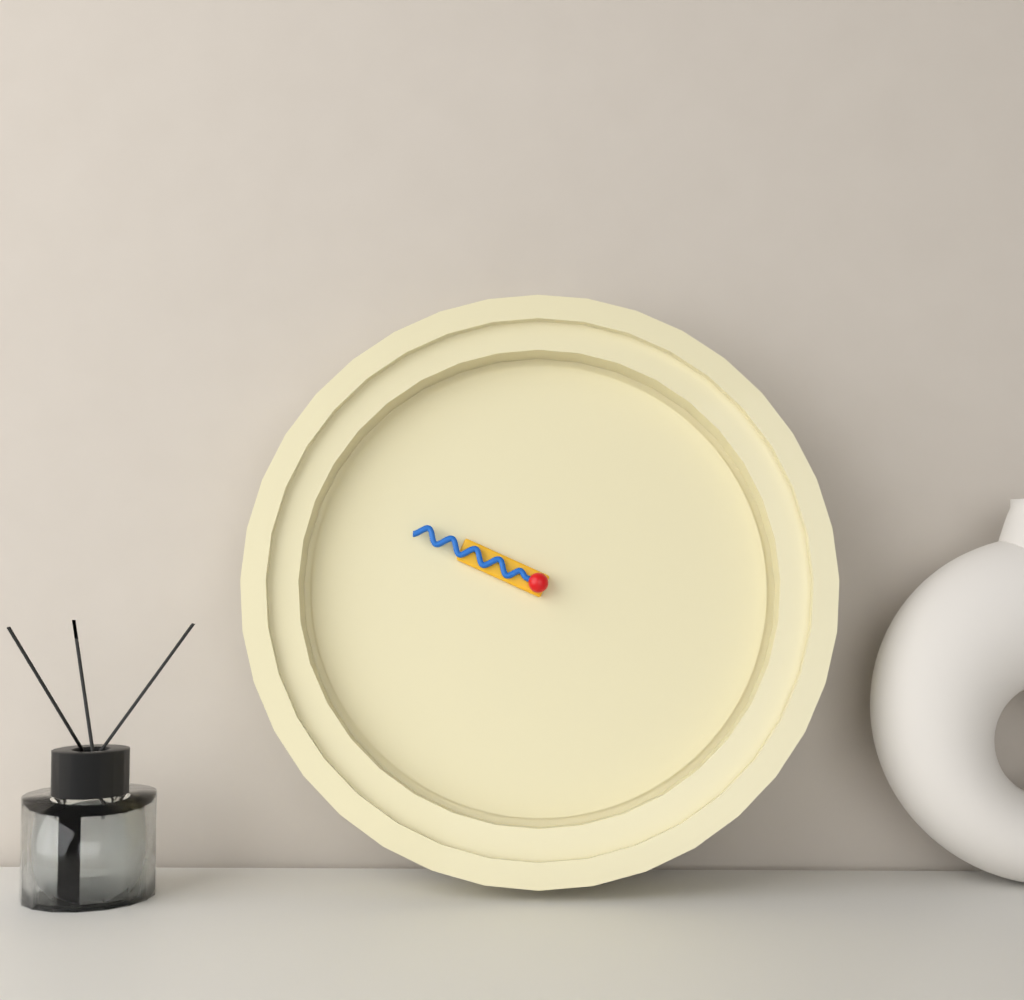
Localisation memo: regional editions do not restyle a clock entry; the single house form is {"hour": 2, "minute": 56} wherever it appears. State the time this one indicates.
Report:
{"hour": 9, "minute": 49}
